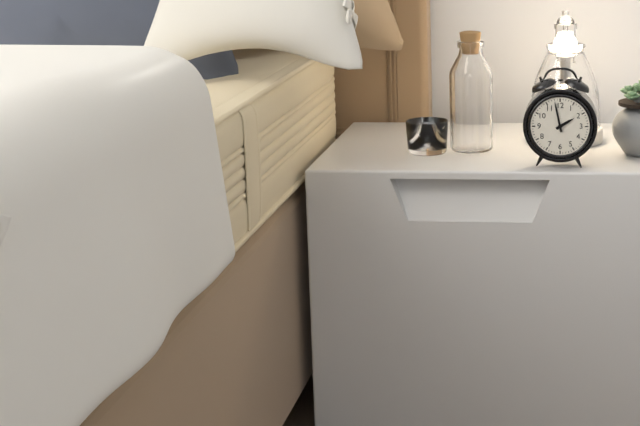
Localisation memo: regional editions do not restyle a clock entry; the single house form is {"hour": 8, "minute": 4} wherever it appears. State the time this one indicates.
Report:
{"hour": 1, "minute": 58}
